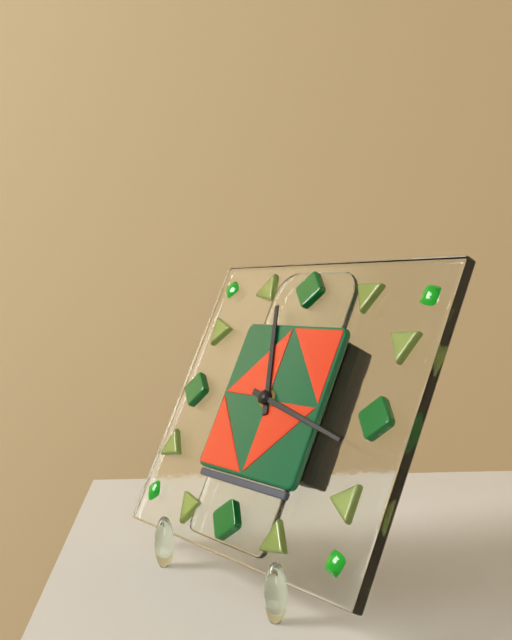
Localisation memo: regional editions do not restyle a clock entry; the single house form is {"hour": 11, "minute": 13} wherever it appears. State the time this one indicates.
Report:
{"hour": 11, "minute": 17}
